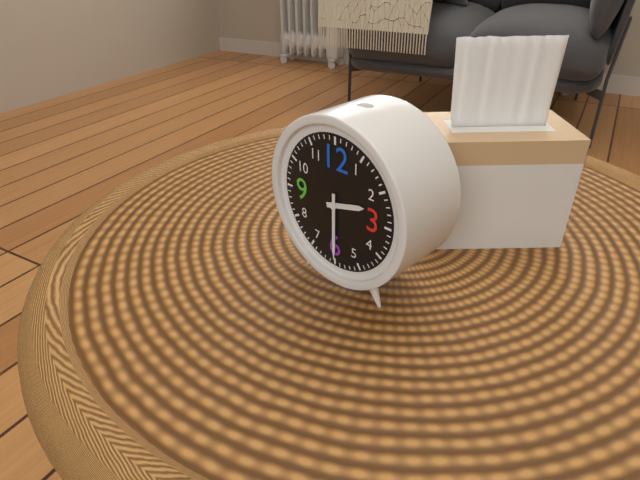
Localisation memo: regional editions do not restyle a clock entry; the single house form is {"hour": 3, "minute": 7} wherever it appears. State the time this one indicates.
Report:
{"hour": 2, "minute": 30}
